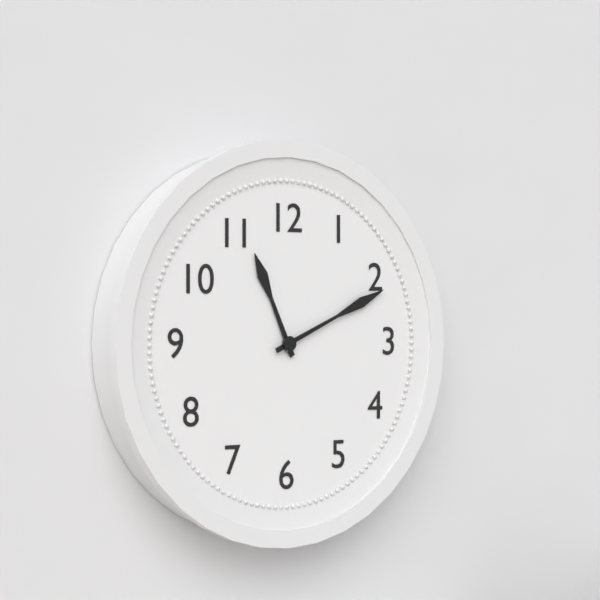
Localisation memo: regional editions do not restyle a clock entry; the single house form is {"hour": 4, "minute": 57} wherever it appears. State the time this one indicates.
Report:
{"hour": 11, "minute": 11}
